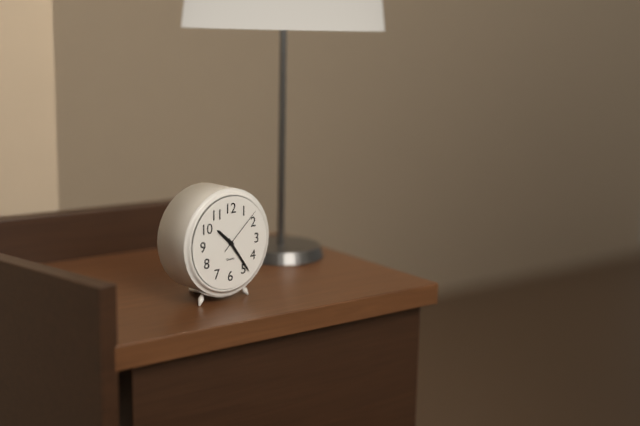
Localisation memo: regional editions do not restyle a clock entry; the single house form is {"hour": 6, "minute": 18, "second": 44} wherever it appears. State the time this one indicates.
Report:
{"hour": 10, "minute": 24, "second": 8}
